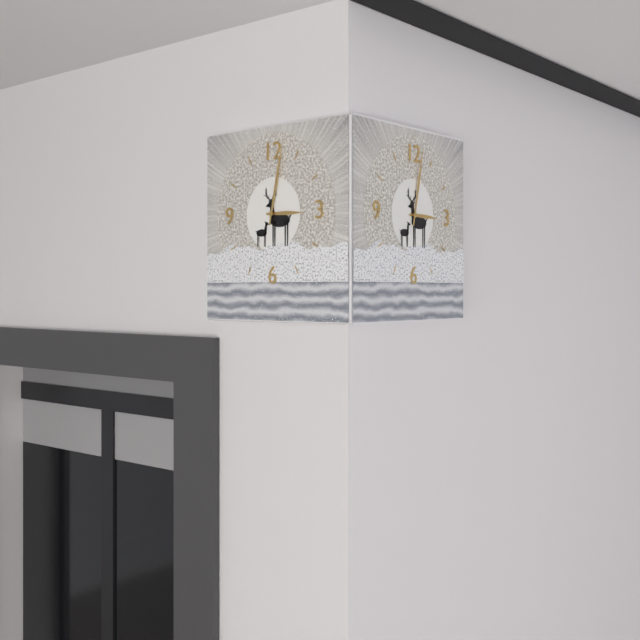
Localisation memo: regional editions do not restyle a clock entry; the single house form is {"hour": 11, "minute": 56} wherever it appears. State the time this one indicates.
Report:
{"hour": 3, "minute": 2}
